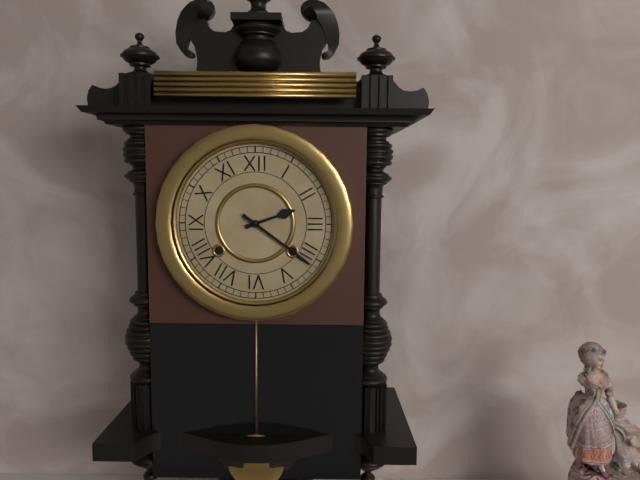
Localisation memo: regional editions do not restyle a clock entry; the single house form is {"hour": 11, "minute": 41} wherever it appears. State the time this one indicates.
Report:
{"hour": 2, "minute": 21}
